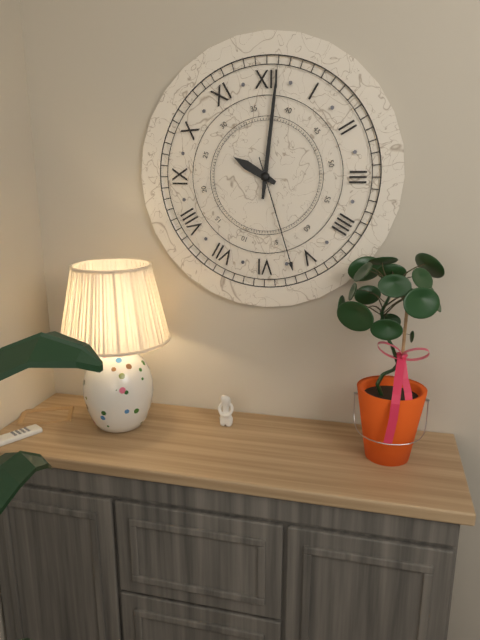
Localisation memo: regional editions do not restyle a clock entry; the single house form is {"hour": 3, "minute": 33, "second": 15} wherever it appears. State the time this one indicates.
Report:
{"hour": 10, "minute": 1, "second": 27}
